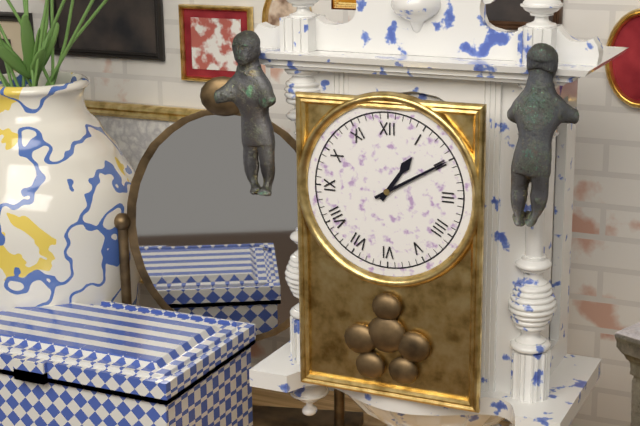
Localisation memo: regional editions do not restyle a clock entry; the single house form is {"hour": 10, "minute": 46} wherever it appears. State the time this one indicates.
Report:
{"hour": 1, "minute": 10}
